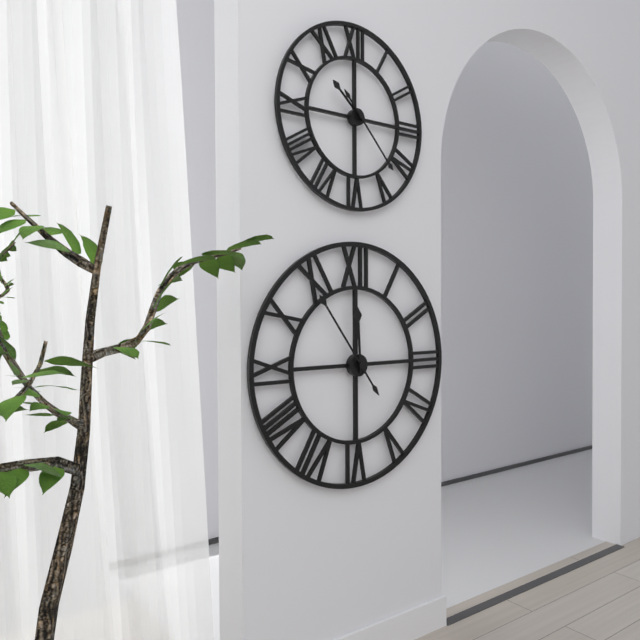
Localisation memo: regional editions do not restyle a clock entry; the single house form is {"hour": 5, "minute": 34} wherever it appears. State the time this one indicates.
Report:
{"hour": 11, "minute": 54}
